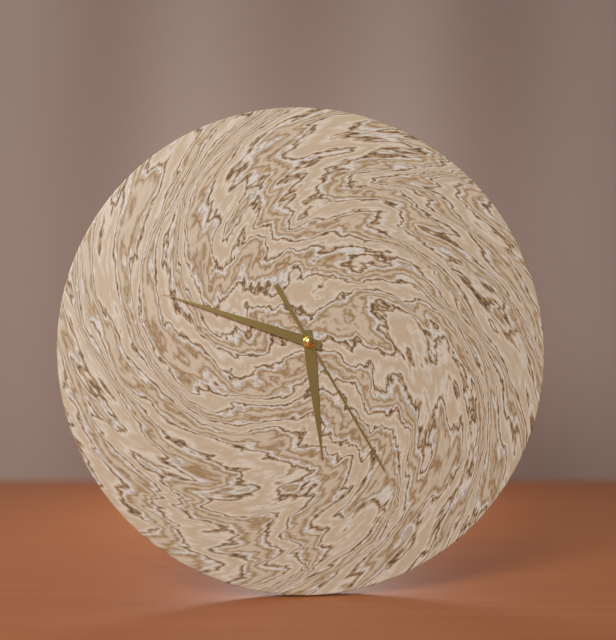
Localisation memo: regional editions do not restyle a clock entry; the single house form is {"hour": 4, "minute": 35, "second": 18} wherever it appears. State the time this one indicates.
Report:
{"hour": 5, "minute": 48, "second": 25}
